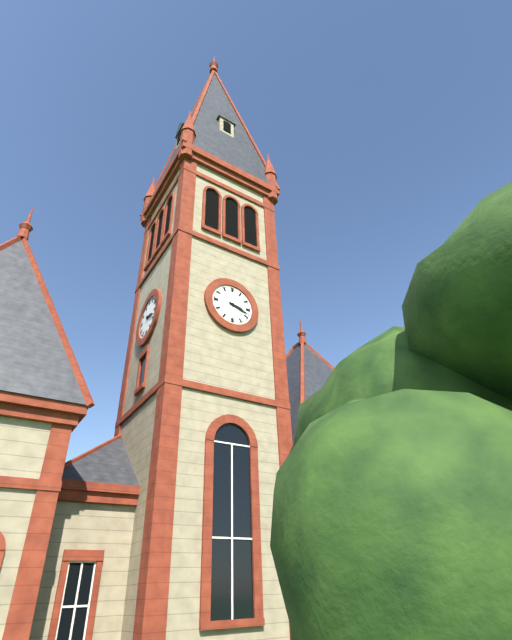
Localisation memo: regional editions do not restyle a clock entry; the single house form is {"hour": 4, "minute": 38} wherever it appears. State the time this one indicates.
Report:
{"hour": 3, "minute": 18}
